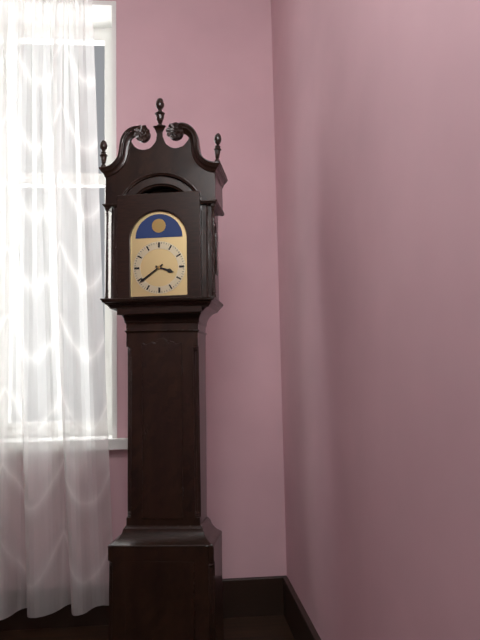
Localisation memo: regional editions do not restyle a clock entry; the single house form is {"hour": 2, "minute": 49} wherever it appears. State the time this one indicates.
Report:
{"hour": 3, "minute": 39}
